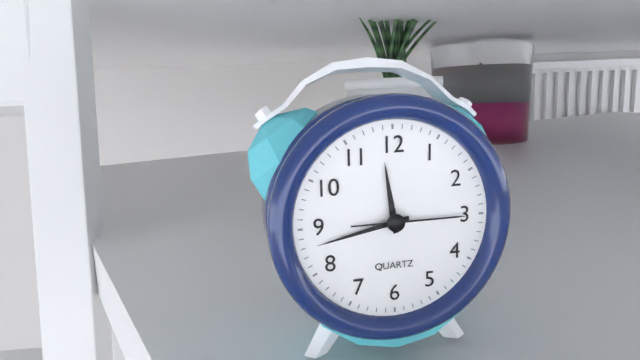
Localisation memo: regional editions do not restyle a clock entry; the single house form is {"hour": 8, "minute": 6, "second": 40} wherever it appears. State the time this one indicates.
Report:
{"hour": 11, "minute": 43, "second": 15}
